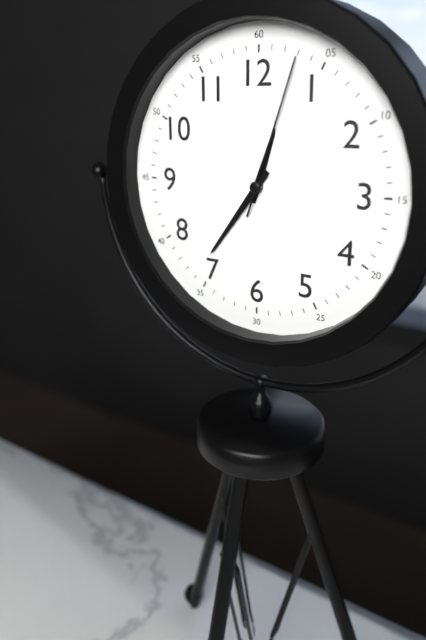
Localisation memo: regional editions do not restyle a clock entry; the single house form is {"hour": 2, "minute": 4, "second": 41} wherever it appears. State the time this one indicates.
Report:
{"hour": 12, "minute": 36, "second": 3}
